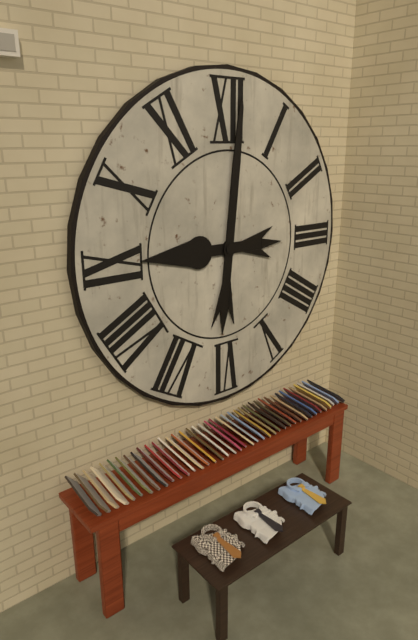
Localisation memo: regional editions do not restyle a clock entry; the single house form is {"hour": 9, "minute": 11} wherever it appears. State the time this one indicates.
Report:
{"hour": 9, "minute": 1}
